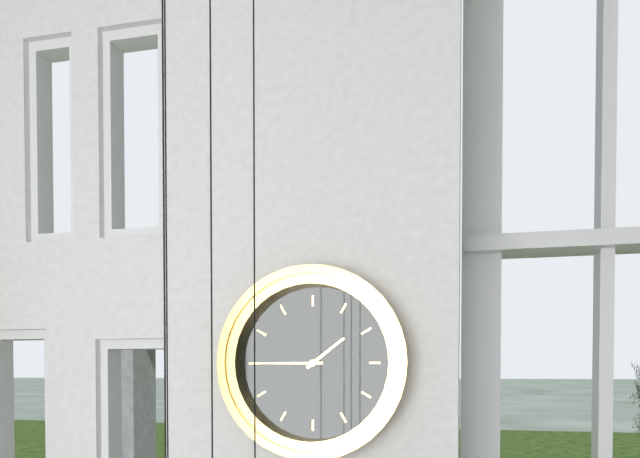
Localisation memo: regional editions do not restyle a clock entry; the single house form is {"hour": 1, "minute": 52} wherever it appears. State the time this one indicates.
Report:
{"hour": 1, "minute": 45}
